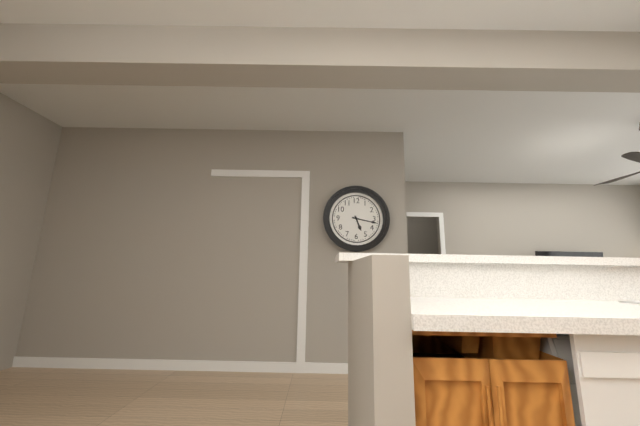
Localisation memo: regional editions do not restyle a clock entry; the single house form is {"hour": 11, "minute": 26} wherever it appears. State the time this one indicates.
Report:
{"hour": 5, "minute": 17}
